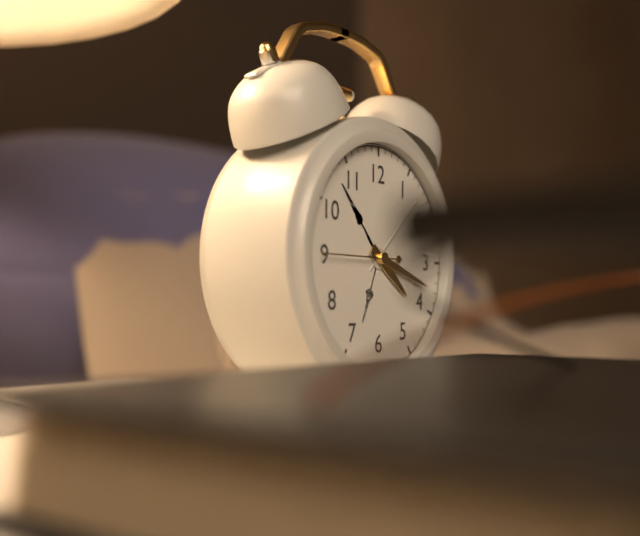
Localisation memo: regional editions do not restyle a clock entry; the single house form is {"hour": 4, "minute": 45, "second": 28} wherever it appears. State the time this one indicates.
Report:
{"hour": 4, "minute": 18, "second": 45}
